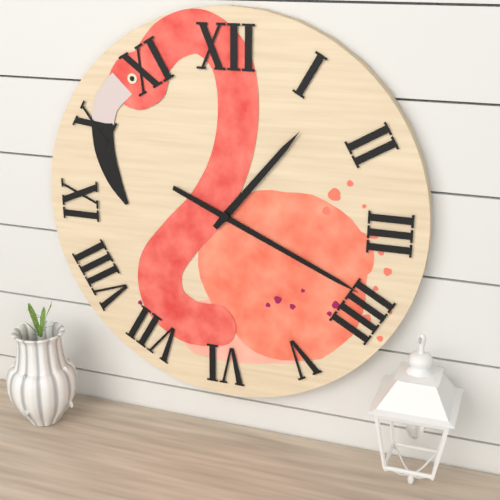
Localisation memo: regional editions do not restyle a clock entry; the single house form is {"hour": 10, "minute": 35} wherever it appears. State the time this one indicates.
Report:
{"hour": 1, "minute": 19}
